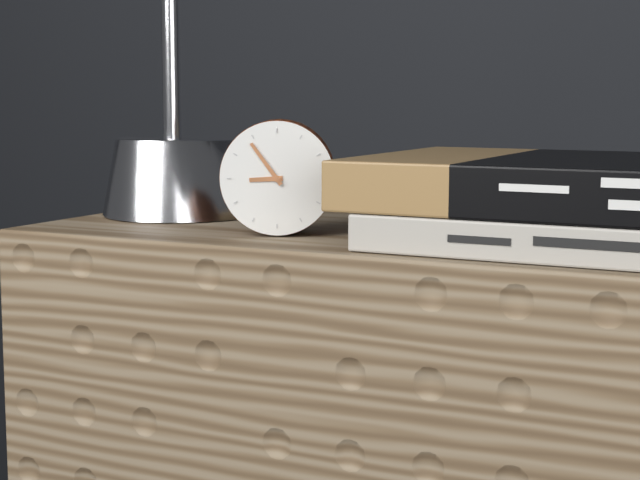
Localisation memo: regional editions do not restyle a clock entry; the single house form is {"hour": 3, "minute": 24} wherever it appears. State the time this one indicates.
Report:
{"hour": 8, "minute": 54}
